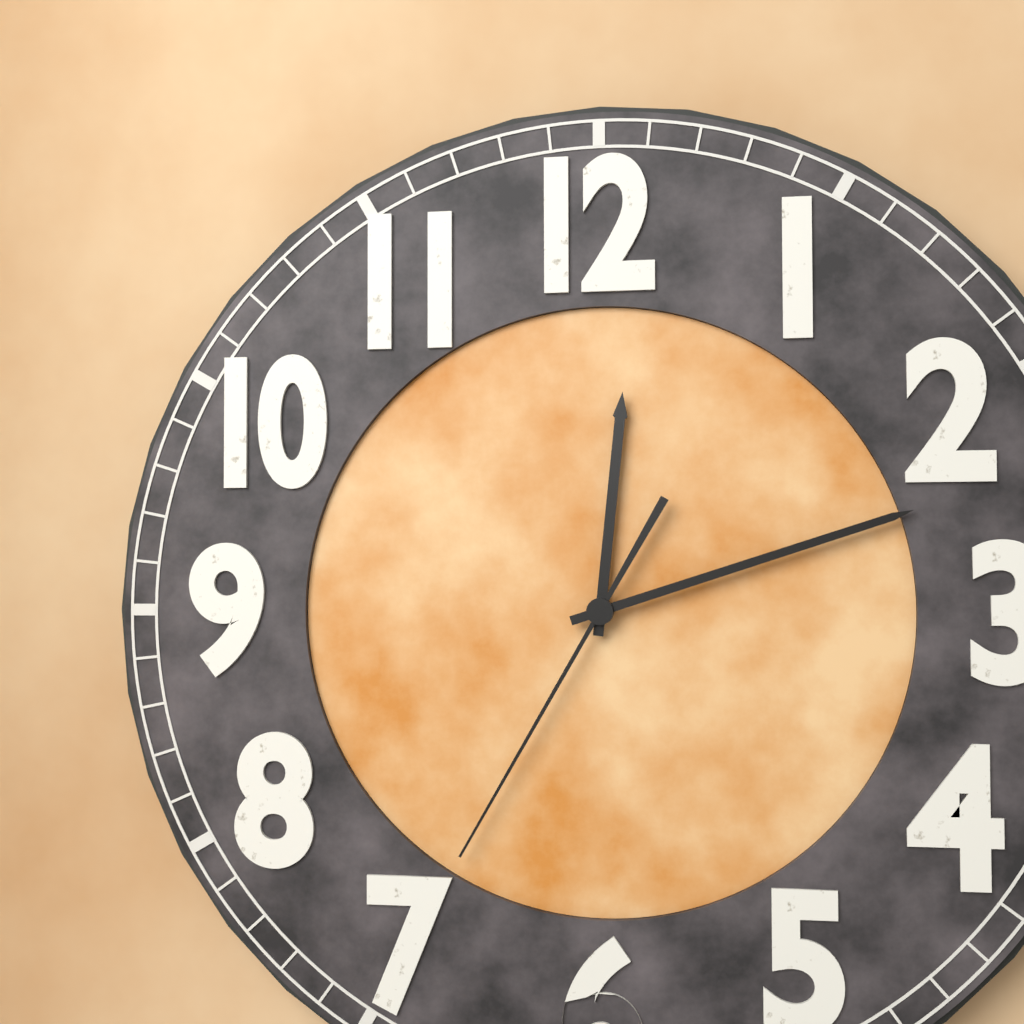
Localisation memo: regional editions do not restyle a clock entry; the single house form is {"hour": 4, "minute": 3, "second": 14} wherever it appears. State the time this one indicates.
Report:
{"hour": 12, "minute": 12, "second": 35}
